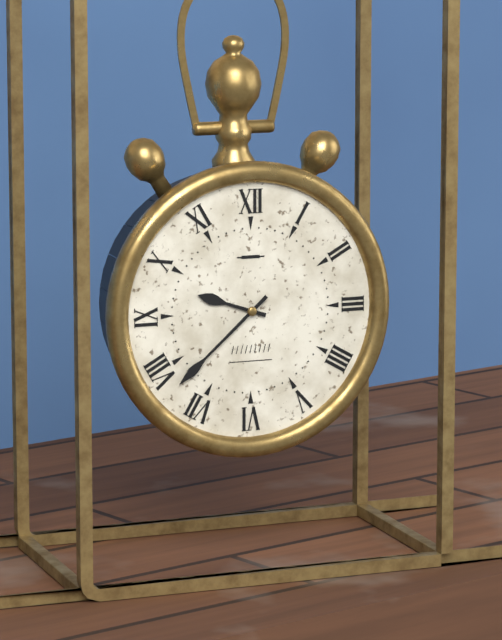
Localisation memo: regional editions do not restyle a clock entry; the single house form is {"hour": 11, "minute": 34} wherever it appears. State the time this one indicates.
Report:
{"hour": 9, "minute": 38}
